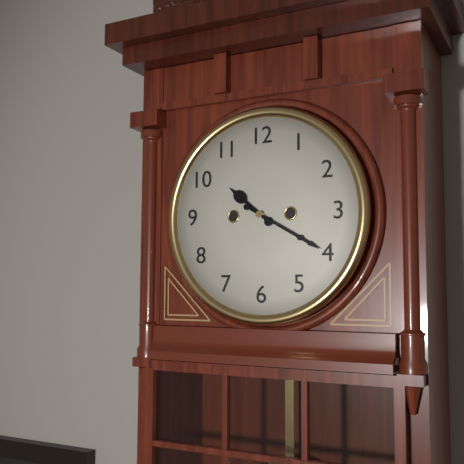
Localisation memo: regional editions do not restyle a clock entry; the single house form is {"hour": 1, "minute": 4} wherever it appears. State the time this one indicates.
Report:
{"hour": 10, "minute": 20}
